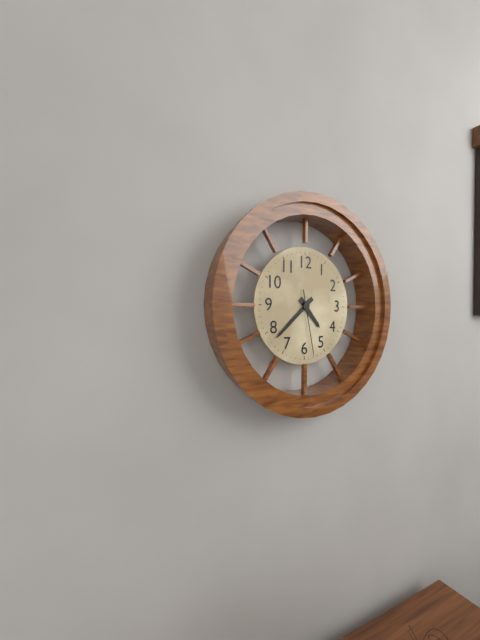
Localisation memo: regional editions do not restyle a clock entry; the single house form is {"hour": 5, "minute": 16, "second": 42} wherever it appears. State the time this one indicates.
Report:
{"hour": 4, "minute": 38, "second": 28}
